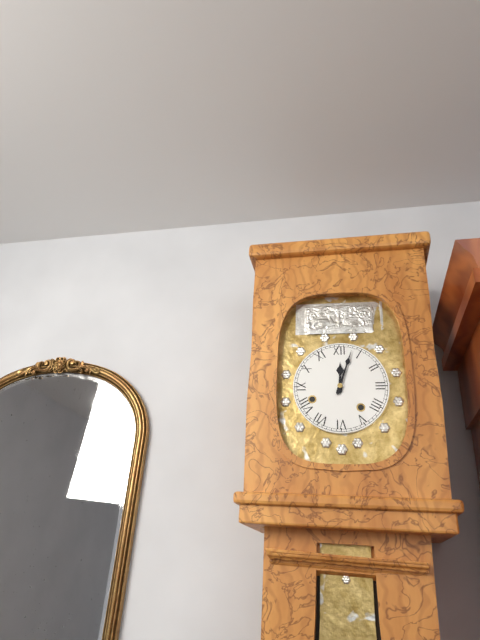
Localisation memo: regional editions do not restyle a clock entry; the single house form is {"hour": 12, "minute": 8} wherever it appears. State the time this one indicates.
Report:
{"hour": 12, "minute": 3}
